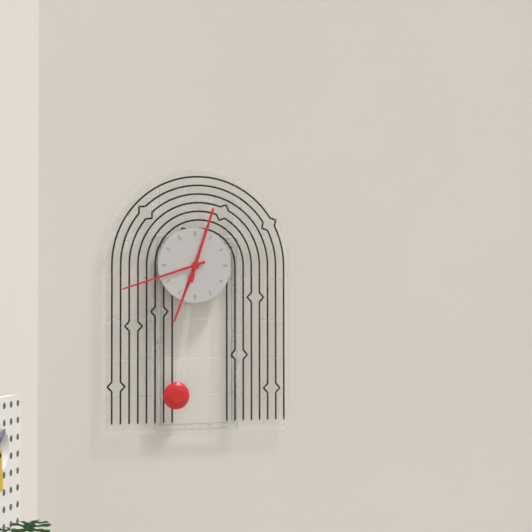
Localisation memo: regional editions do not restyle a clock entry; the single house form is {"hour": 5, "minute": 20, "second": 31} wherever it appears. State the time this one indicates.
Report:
{"hour": 6, "minute": 42, "second": 3}
